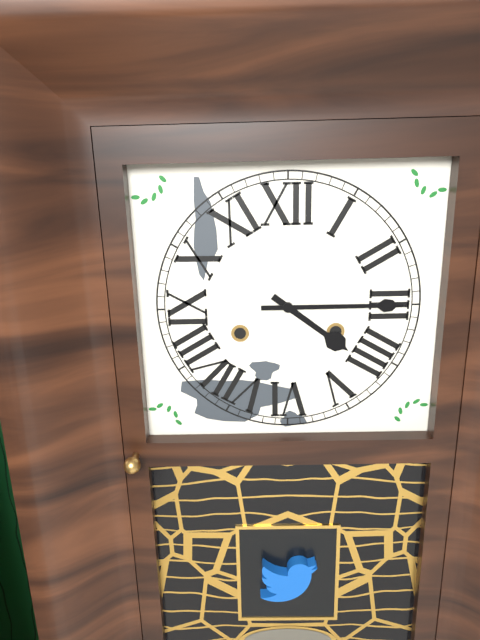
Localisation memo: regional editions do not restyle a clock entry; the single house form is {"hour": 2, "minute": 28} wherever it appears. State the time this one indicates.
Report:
{"hour": 4, "minute": 15}
